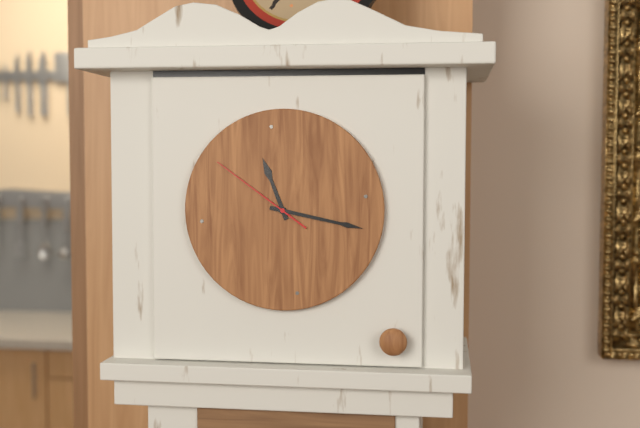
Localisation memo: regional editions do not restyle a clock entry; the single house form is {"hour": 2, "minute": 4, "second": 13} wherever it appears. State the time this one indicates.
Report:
{"hour": 11, "minute": 17, "second": 51}
